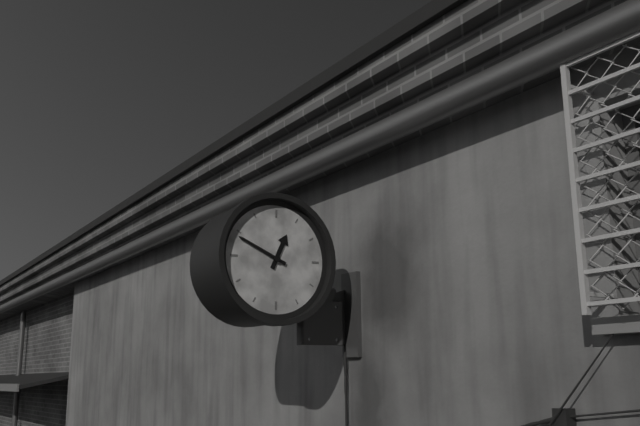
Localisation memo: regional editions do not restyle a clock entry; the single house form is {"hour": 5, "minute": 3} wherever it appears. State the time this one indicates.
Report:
{"hour": 12, "minute": 49}
